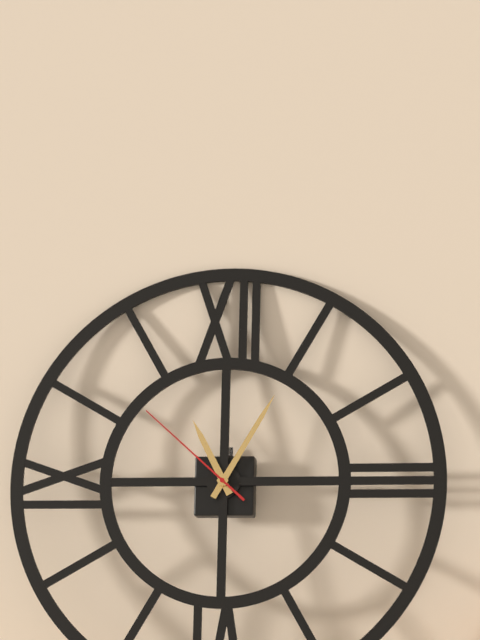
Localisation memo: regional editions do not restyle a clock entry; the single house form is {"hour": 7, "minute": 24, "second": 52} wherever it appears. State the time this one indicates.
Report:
{"hour": 11, "minute": 5, "second": 52}
